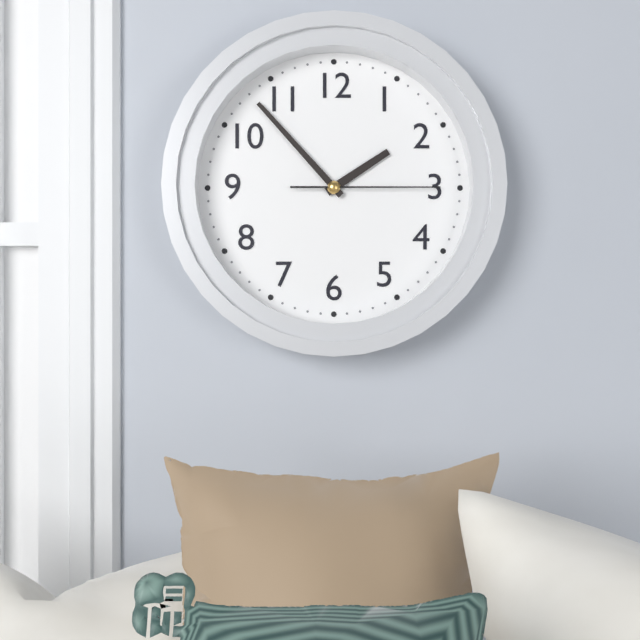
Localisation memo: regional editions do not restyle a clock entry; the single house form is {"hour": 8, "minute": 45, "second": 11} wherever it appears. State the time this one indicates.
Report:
{"hour": 1, "minute": 53, "second": 15}
